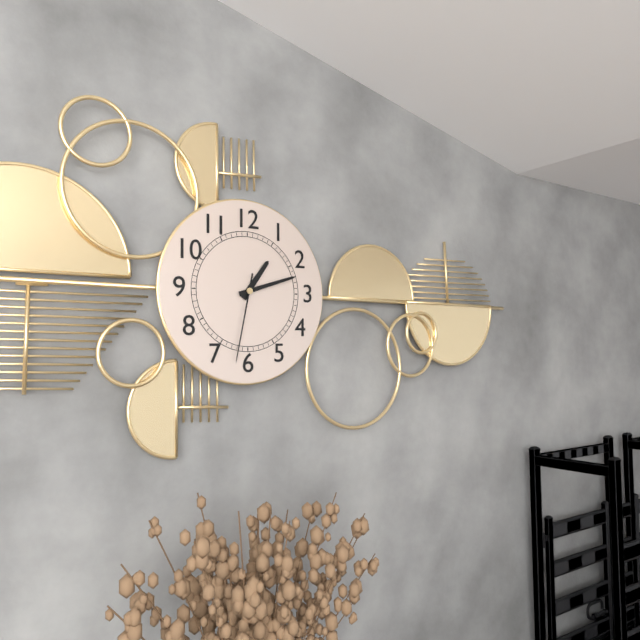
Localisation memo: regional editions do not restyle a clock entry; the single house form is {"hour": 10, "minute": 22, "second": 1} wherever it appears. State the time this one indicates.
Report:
{"hour": 1, "minute": 12, "second": 32}
